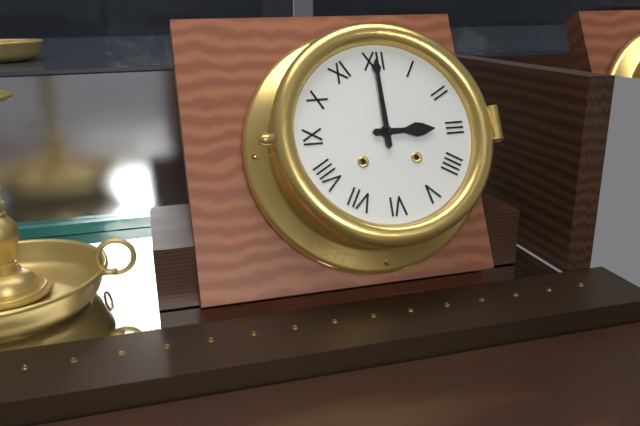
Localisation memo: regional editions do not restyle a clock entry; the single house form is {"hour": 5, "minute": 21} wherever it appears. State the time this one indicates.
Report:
{"hour": 3, "minute": 0}
